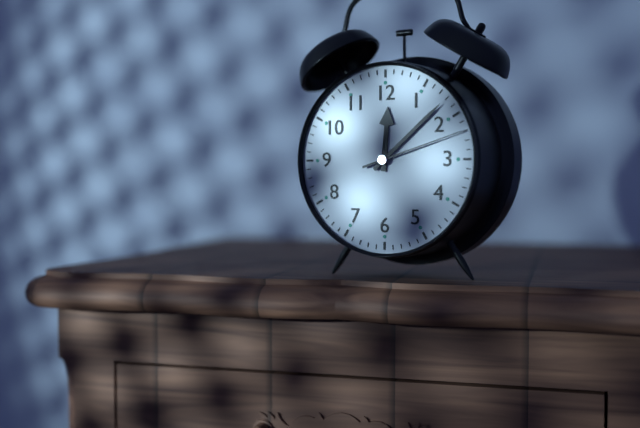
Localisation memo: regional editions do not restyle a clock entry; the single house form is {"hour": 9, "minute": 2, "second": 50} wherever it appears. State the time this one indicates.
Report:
{"hour": 12, "minute": 8, "second": 12}
